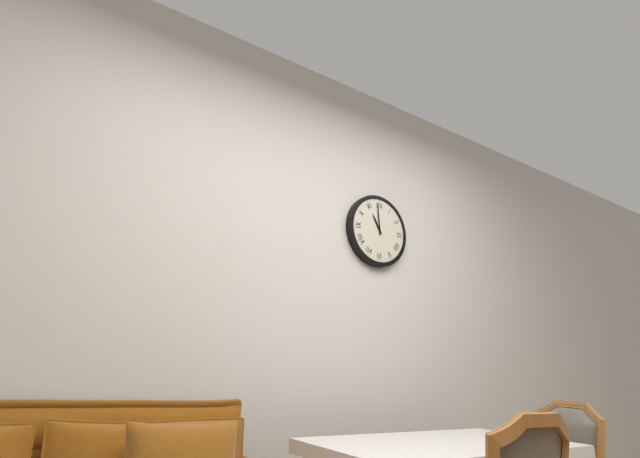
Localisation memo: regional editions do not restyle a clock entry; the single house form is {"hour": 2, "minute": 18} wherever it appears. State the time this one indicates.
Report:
{"hour": 10, "minute": 59}
